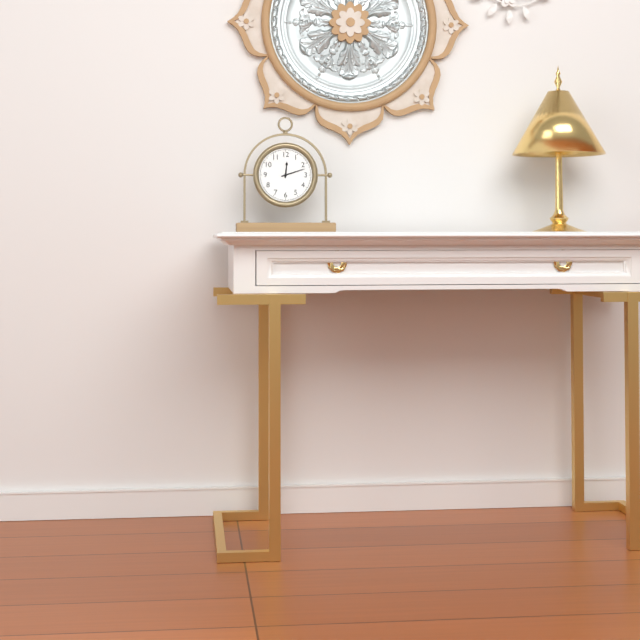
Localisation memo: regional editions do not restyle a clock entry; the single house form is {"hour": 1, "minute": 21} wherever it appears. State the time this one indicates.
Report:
{"hour": 12, "minute": 12}
